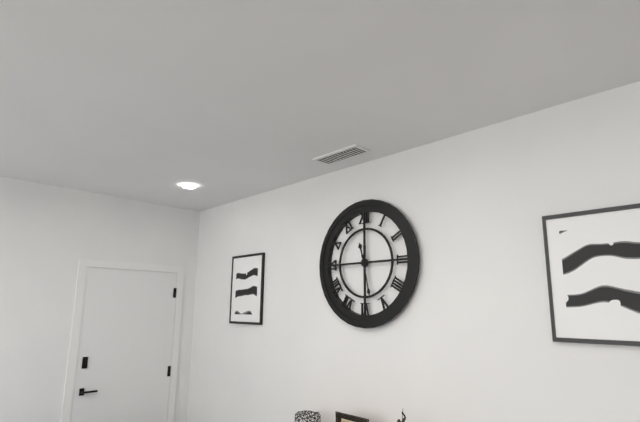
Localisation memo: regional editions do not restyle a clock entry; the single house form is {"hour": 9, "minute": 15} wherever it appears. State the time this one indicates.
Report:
{"hour": 11, "minute": 28}
